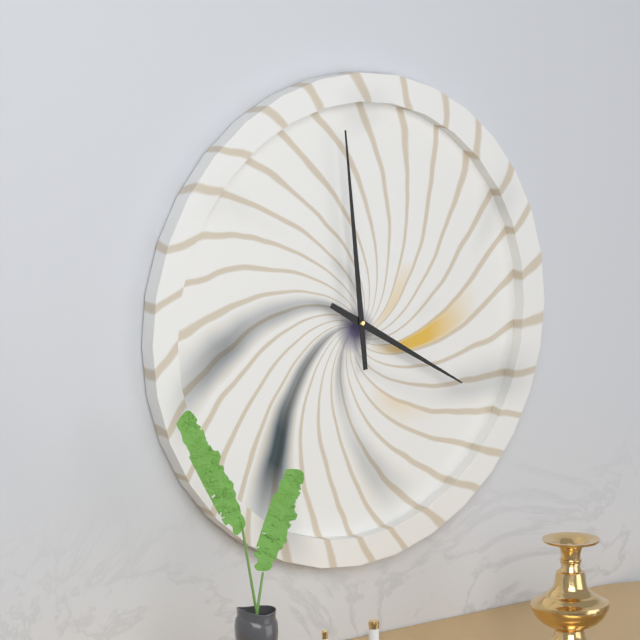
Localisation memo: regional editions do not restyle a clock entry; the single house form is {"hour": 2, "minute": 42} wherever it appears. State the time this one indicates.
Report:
{"hour": 3, "minute": 59}
